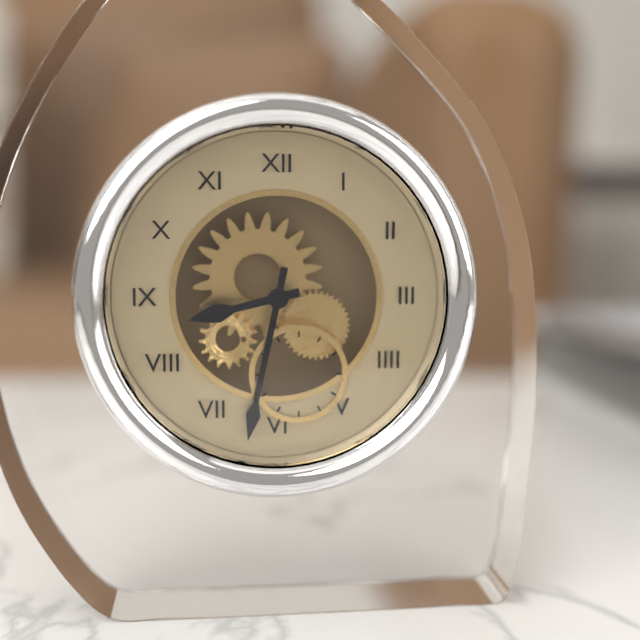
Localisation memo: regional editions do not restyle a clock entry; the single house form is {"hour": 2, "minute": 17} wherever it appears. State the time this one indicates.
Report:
{"hour": 8, "minute": 32}
